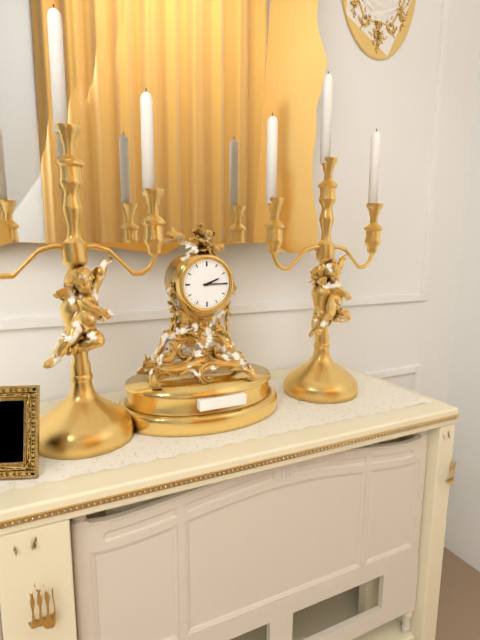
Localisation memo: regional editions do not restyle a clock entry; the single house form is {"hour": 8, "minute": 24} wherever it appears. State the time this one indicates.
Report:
{"hour": 2, "minute": 15}
